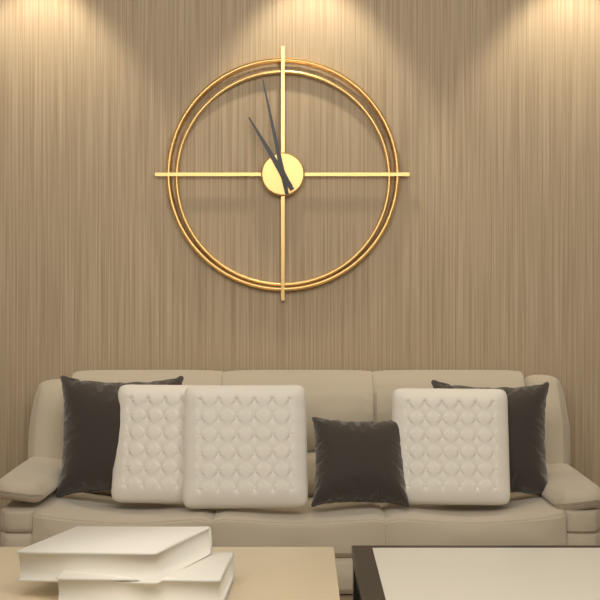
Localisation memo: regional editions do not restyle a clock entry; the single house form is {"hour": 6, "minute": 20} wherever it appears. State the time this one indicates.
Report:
{"hour": 10, "minute": 58}
